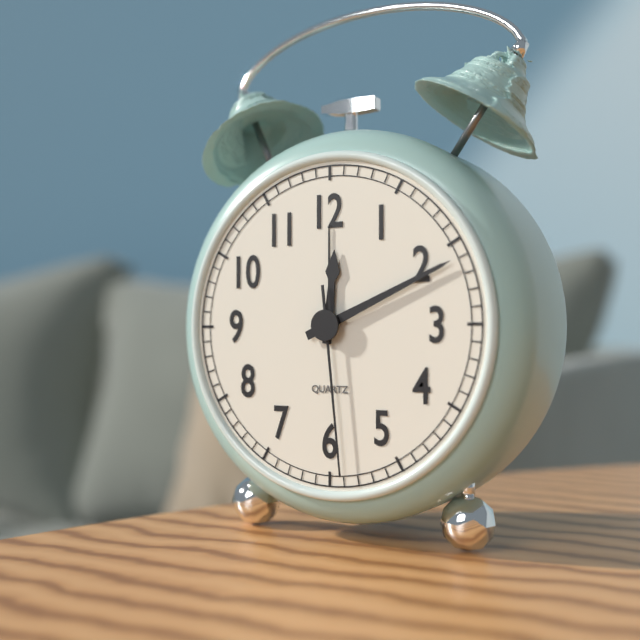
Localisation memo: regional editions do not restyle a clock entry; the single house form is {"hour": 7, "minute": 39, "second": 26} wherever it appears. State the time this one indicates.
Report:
{"hour": 12, "minute": 11, "second": 29}
